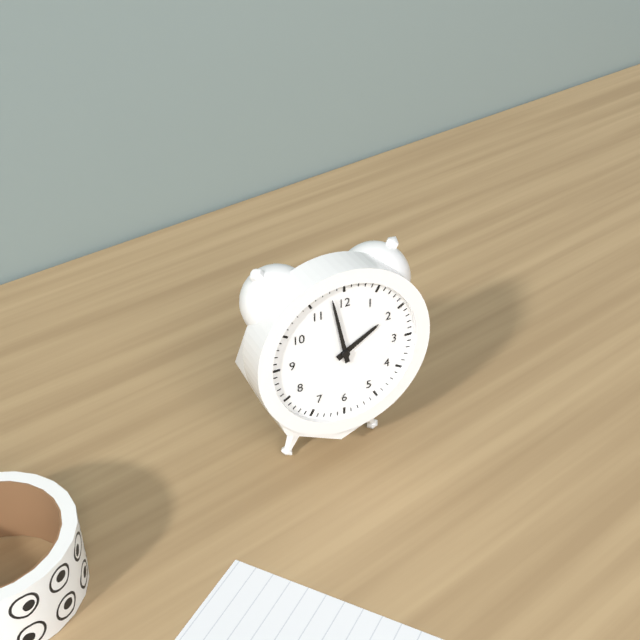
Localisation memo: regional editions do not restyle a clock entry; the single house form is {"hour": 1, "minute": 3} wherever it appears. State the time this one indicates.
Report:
{"hour": 1, "minute": 58}
